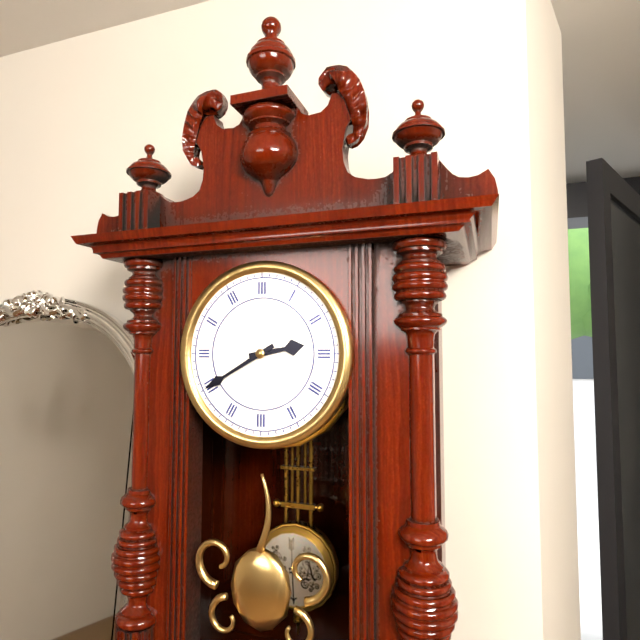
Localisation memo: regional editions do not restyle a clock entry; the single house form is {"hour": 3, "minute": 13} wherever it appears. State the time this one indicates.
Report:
{"hour": 2, "minute": 40}
